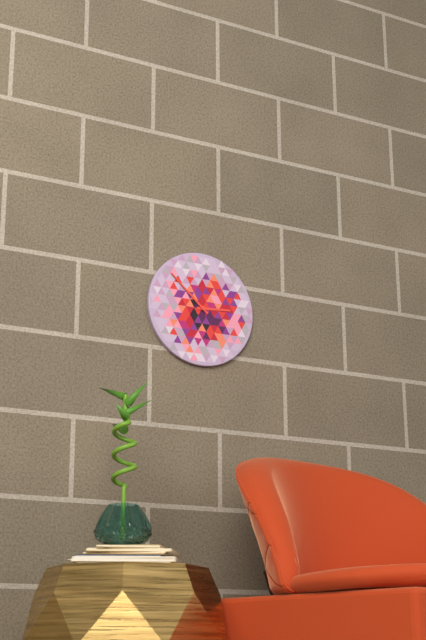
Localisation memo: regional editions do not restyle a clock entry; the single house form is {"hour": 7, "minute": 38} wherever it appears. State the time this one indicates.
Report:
{"hour": 2, "minute": 52}
